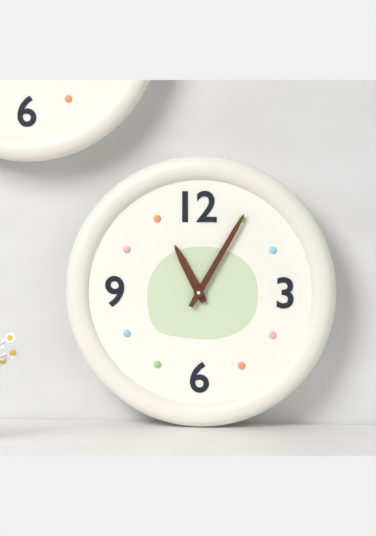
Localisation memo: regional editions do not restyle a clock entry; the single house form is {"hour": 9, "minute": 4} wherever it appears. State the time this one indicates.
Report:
{"hour": 11, "minute": 5}
